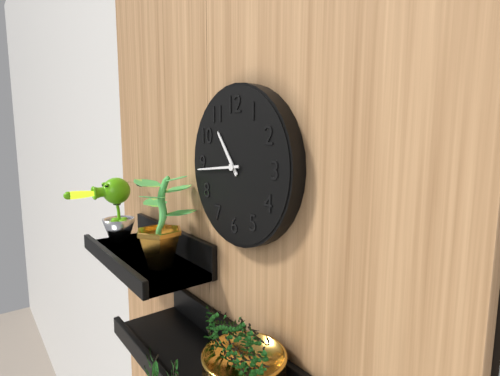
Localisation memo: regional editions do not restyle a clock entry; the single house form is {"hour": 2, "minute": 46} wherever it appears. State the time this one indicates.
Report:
{"hour": 10, "minute": 44}
